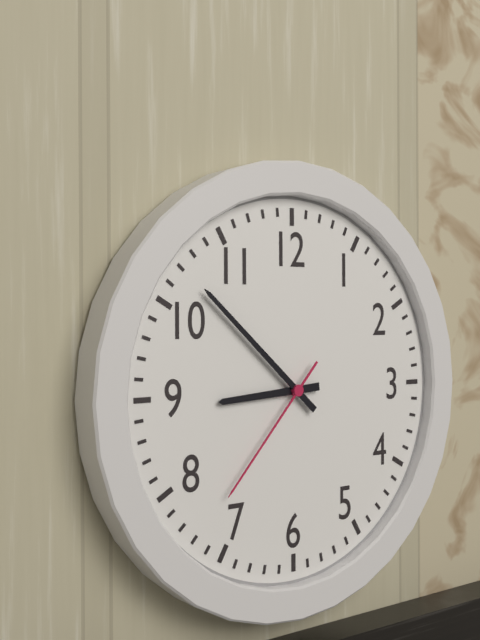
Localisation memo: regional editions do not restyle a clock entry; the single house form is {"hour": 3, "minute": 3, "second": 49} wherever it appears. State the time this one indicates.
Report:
{"hour": 8, "minute": 52, "second": 37}
